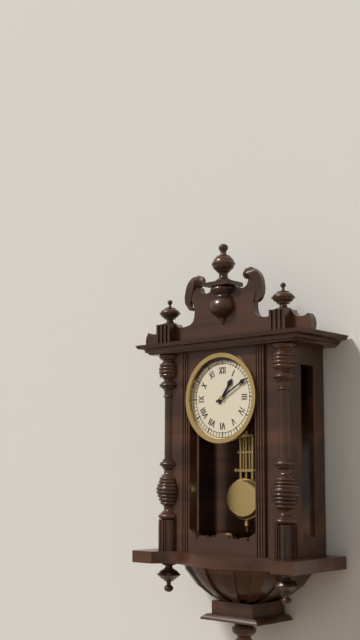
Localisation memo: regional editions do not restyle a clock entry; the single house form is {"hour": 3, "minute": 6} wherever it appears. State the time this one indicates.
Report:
{"hour": 1, "minute": 10}
